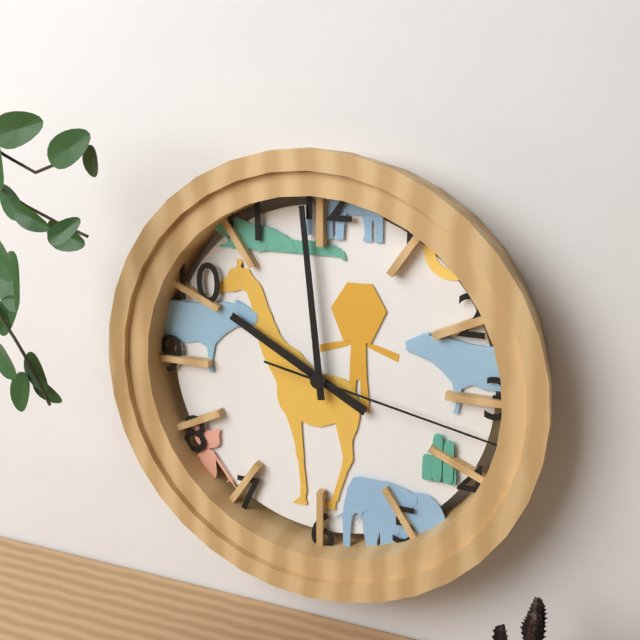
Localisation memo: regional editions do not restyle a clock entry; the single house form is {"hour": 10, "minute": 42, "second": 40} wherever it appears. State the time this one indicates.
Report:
{"hour": 9, "minute": 59, "second": 17}
